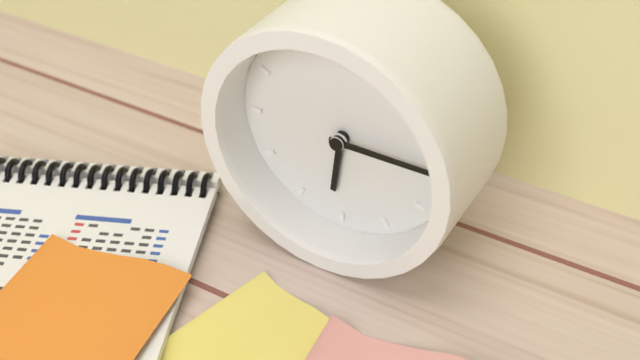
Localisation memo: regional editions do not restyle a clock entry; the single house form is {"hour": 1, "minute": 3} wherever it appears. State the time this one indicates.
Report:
{"hour": 6, "minute": 15}
